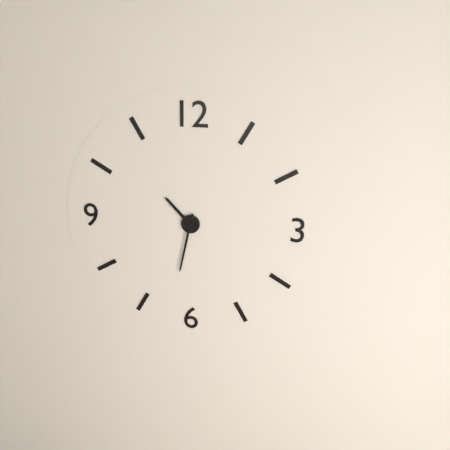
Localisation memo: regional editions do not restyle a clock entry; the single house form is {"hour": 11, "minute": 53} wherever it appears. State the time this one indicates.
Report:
{"hour": 10, "minute": 32}
